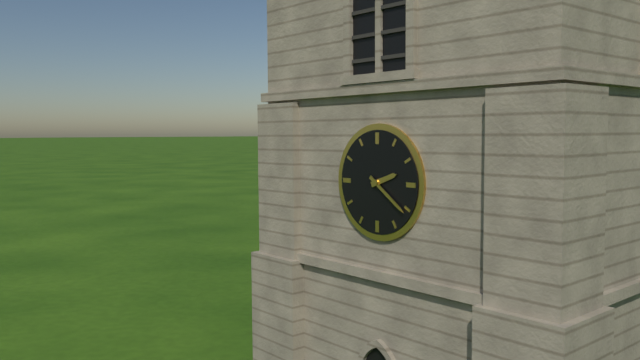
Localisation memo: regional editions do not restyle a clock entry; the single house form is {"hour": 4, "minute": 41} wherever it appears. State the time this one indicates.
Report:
{"hour": 2, "minute": 21}
